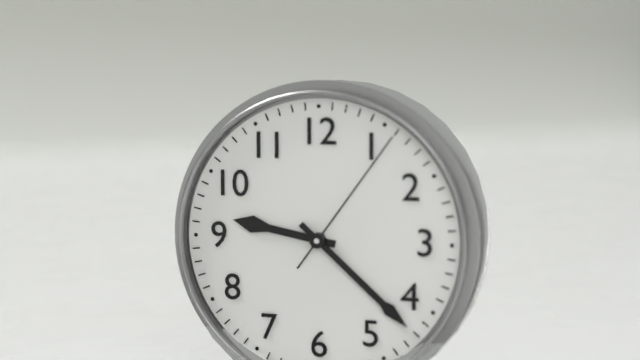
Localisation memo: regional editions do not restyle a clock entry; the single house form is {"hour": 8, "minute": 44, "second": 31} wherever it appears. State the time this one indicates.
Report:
{"hour": 9, "minute": 22, "second": 6}
